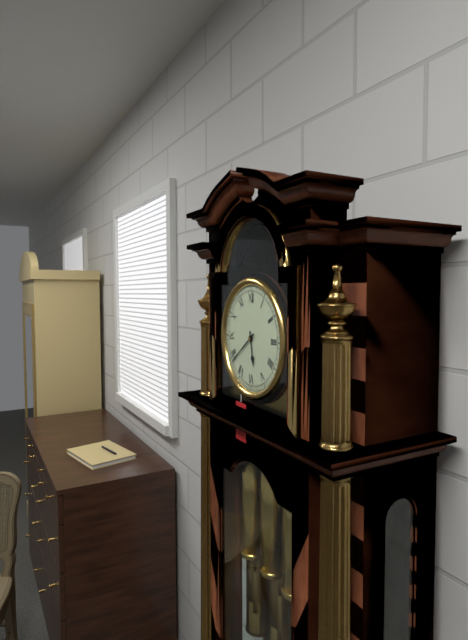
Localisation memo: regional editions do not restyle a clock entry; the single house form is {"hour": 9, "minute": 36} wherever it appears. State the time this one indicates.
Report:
{"hour": 5, "minute": 39}
